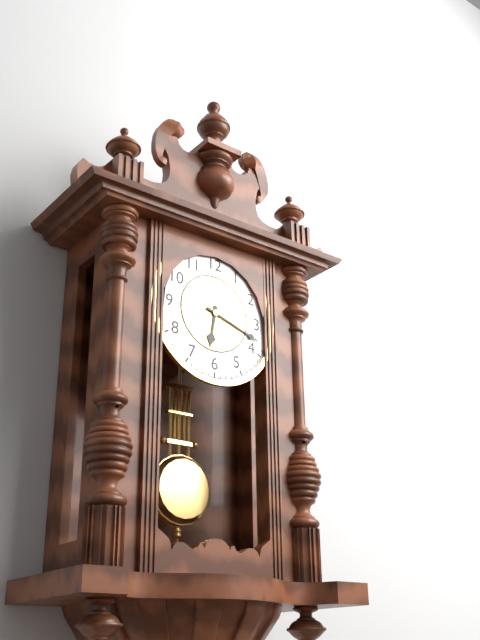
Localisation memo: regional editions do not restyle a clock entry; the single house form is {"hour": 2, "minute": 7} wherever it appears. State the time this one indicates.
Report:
{"hour": 6, "minute": 18}
